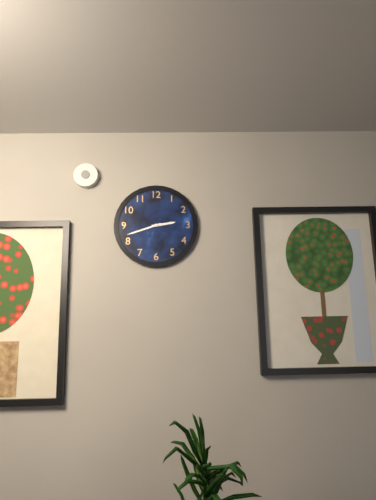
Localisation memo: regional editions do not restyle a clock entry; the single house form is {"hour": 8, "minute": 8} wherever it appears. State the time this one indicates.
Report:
{"hour": 2, "minute": 42}
